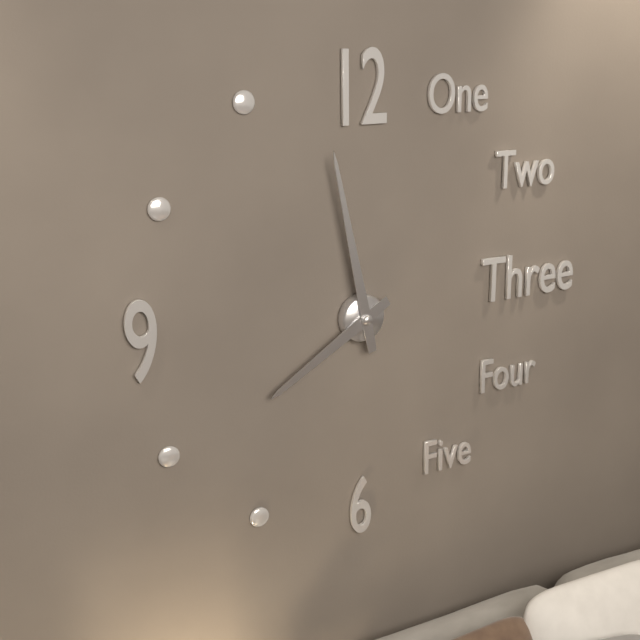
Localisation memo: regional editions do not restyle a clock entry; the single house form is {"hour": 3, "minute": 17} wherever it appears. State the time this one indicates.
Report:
{"hour": 7, "minute": 58}
